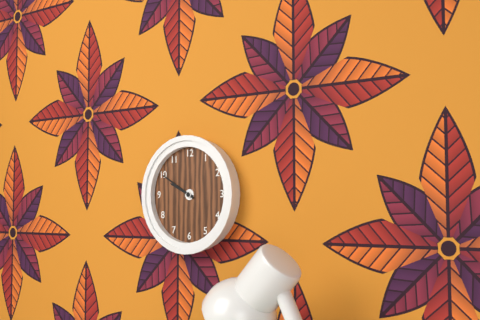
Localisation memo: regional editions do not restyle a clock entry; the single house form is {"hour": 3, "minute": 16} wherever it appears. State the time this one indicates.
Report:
{"hour": 9, "minute": 50}
